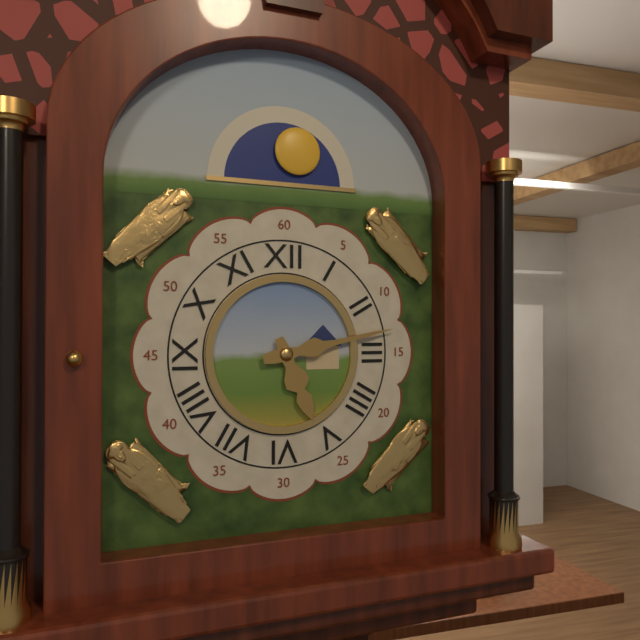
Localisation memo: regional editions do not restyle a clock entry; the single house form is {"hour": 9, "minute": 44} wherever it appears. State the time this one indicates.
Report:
{"hour": 5, "minute": 13}
